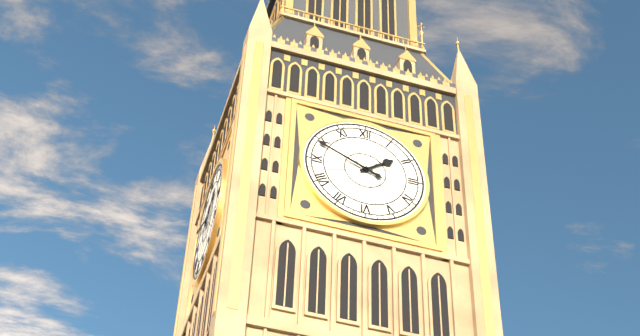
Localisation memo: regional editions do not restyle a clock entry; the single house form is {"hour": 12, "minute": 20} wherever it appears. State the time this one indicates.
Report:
{"hour": 1, "minute": 49}
